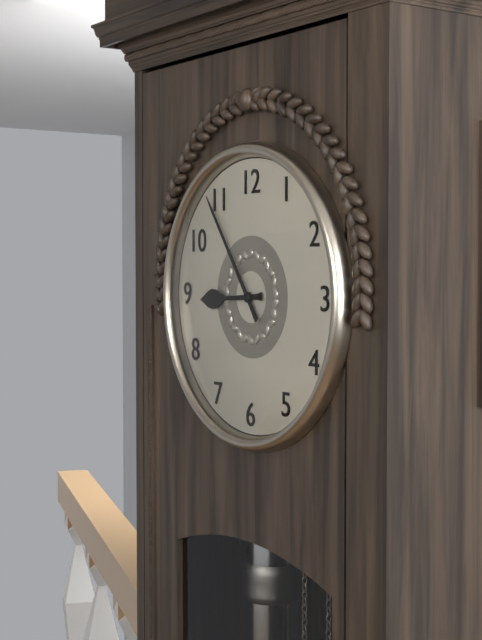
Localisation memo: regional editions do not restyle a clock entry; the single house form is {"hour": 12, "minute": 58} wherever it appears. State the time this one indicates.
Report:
{"hour": 8, "minute": 54}
